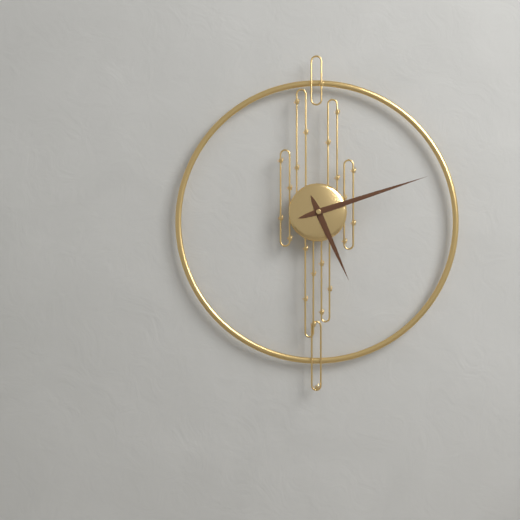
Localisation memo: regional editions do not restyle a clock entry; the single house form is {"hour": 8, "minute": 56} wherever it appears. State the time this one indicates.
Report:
{"hour": 5, "minute": 12}
